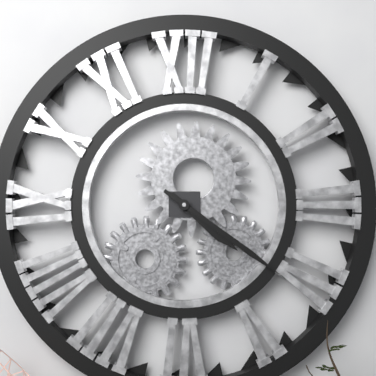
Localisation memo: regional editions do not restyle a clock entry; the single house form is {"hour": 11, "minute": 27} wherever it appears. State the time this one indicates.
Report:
{"hour": 4, "minute": 21}
